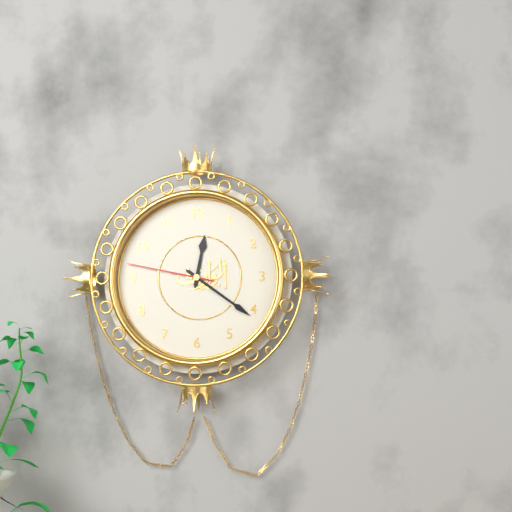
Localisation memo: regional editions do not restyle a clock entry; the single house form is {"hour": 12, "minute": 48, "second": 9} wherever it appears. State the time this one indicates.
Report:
{"hour": 12, "minute": 21, "second": 47}
